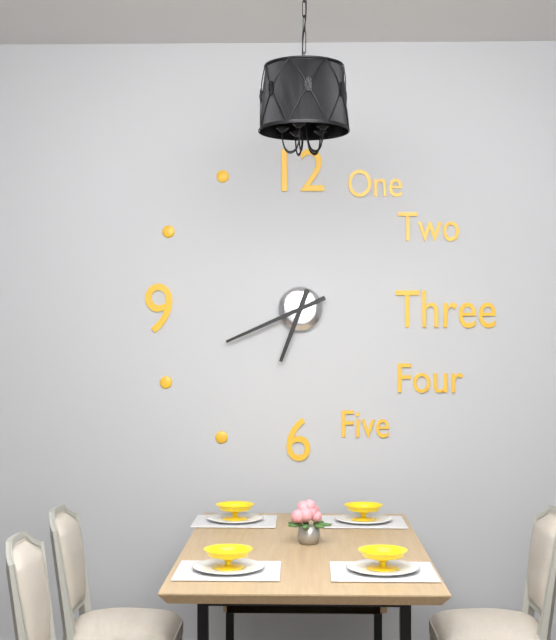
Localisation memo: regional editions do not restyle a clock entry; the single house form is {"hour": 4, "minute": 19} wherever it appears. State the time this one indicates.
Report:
{"hour": 6, "minute": 41}
